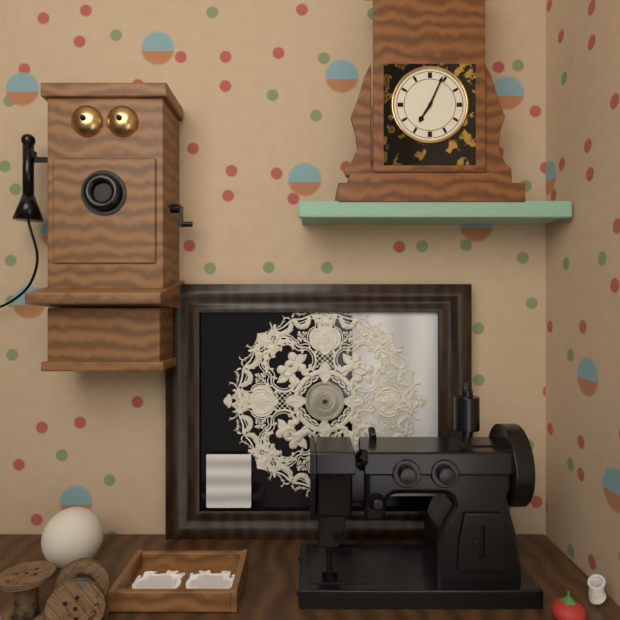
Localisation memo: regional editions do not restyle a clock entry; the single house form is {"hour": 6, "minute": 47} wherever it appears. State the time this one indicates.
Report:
{"hour": 7, "minute": 4}
